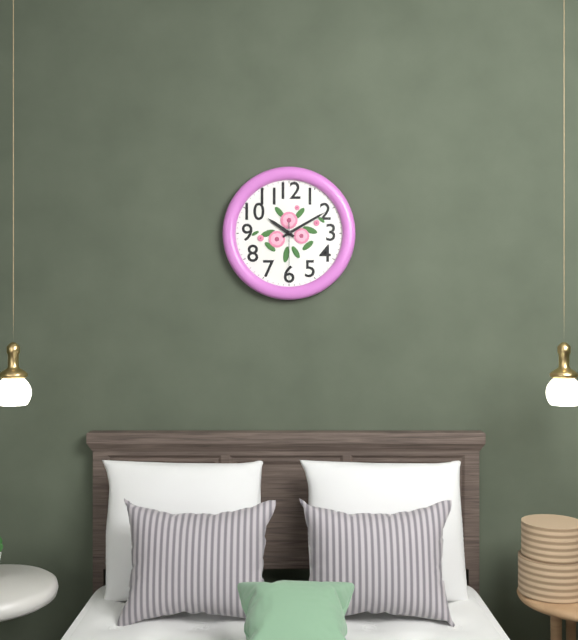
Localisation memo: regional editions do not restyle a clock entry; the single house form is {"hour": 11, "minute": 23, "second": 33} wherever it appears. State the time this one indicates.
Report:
{"hour": 10, "minute": 10, "second": 30}
